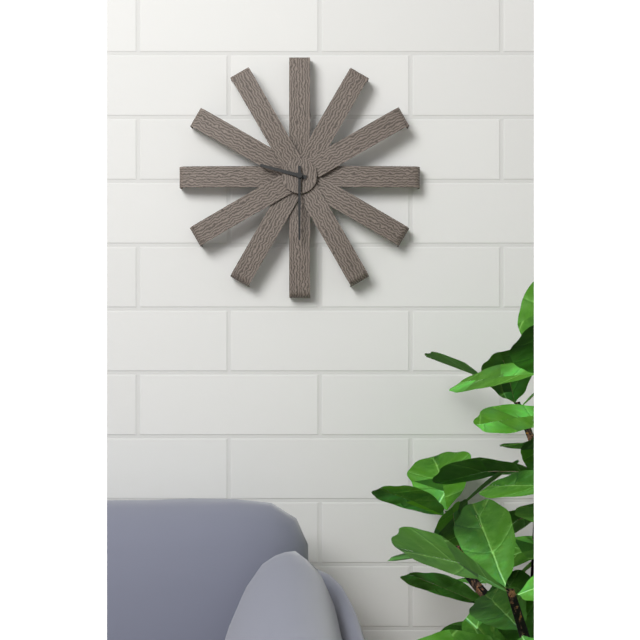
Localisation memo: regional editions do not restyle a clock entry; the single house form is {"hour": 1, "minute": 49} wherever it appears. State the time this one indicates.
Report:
{"hour": 9, "minute": 30}
